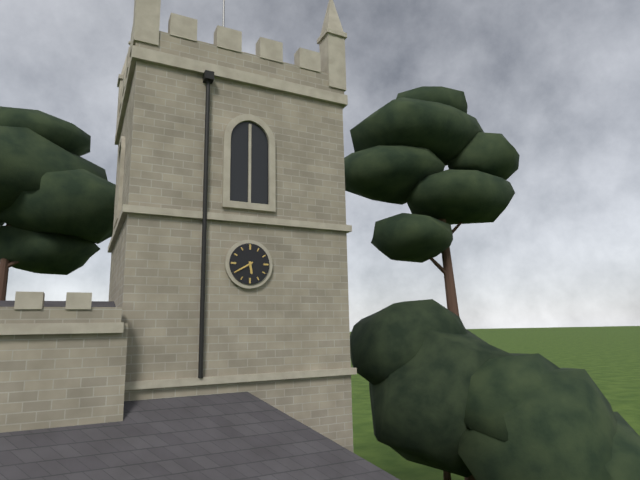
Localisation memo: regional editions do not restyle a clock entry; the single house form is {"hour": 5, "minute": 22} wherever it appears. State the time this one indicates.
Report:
{"hour": 5, "minute": 40}
